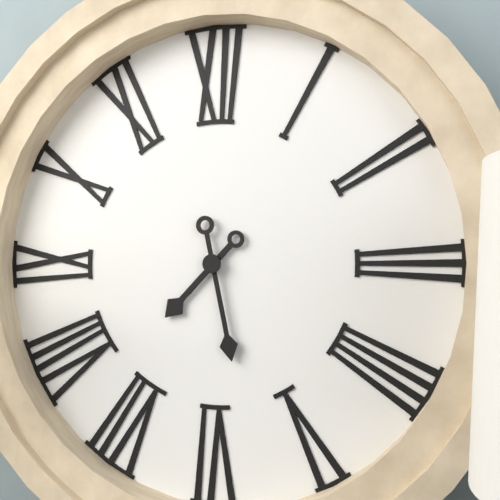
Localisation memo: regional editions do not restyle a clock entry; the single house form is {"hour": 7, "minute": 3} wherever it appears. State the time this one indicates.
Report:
{"hour": 7, "minute": 28}
